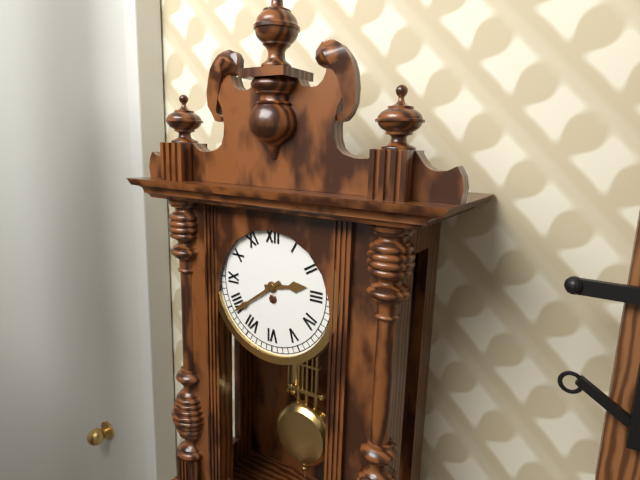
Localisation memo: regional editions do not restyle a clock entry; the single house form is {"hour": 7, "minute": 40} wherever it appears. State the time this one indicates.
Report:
{"hour": 2, "minute": 39}
